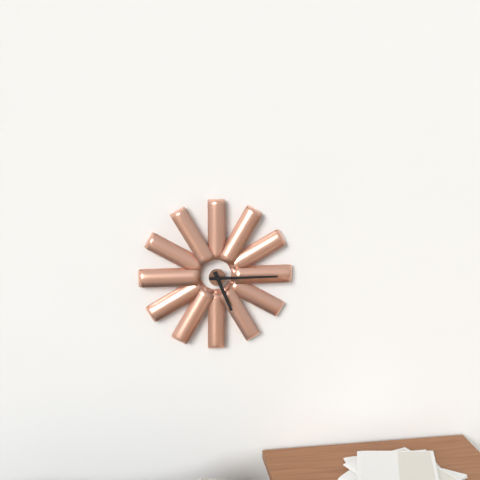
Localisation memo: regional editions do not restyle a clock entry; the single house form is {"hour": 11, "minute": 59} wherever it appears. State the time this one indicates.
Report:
{"hour": 5, "minute": 15}
